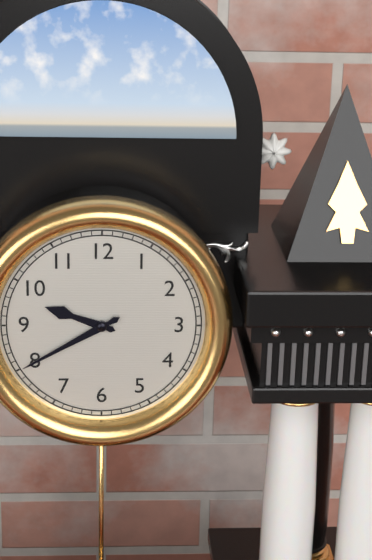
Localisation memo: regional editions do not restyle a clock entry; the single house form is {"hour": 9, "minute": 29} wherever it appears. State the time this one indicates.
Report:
{"hour": 9, "minute": 40}
